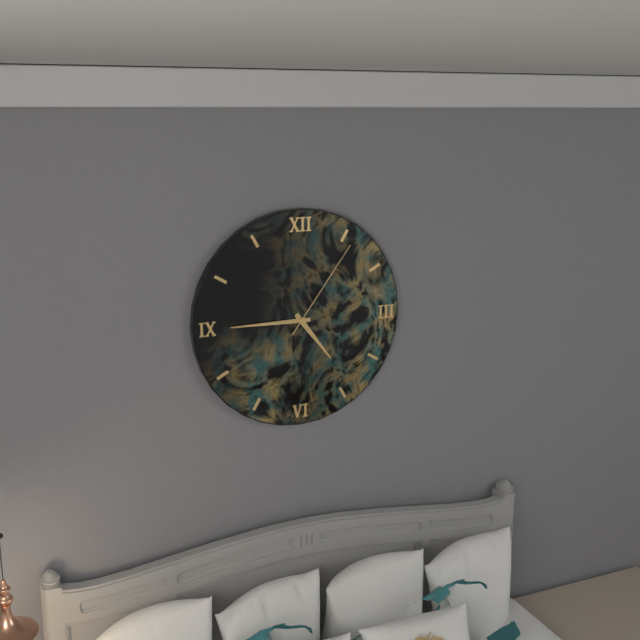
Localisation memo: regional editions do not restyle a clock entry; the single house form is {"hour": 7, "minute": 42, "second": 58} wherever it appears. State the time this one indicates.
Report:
{"hour": 4, "minute": 45, "second": 6}
